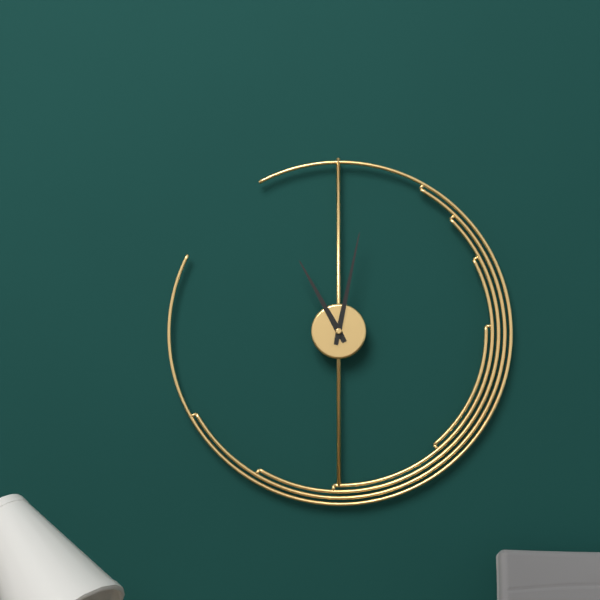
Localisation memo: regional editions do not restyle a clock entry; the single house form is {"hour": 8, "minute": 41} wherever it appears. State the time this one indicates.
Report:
{"hour": 11, "minute": 2}
